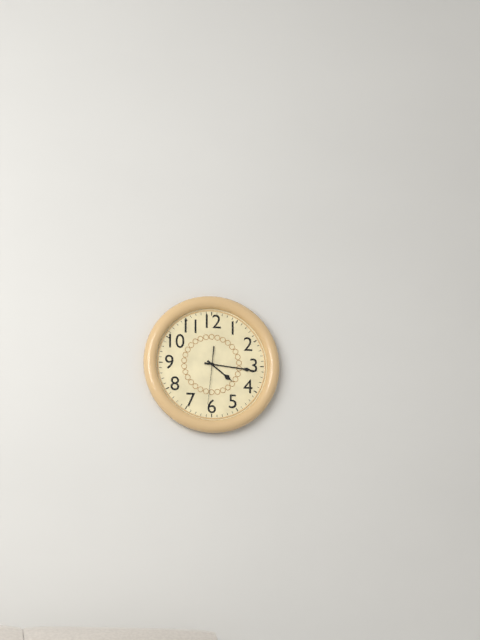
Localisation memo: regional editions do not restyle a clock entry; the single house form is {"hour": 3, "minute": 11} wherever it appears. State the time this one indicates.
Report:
{"hour": 4, "minute": 16}
